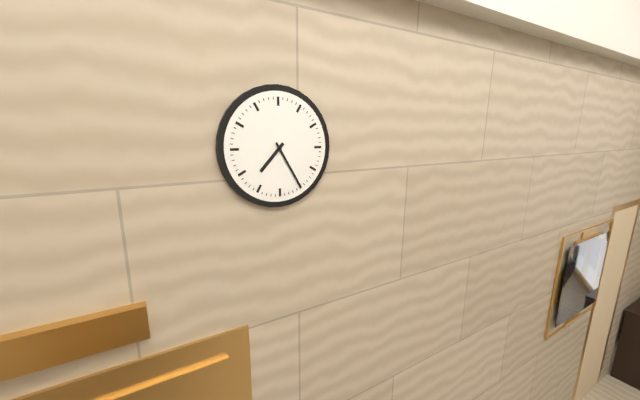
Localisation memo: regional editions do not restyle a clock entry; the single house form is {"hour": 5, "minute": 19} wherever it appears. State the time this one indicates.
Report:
{"hour": 7, "minute": 25}
